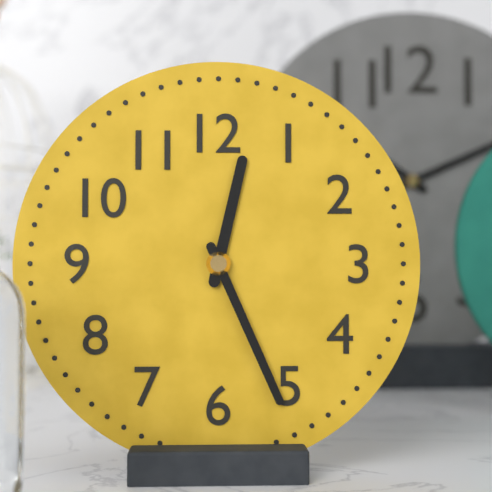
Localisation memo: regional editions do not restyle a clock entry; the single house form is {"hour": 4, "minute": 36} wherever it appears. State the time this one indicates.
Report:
{"hour": 12, "minute": 26}
